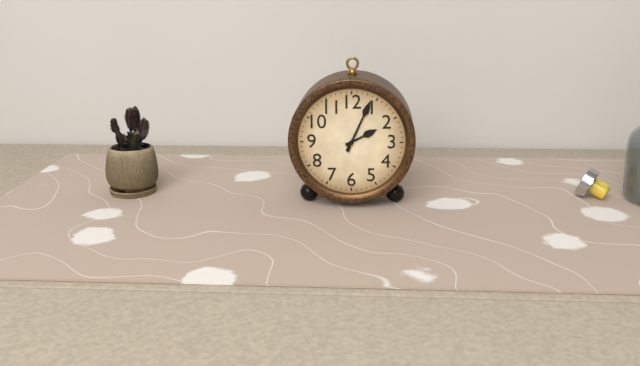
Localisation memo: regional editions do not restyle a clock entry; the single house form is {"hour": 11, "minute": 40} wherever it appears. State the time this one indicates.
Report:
{"hour": 2, "minute": 4}
